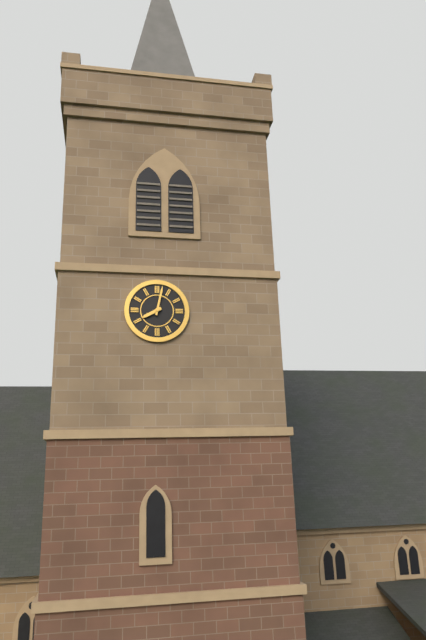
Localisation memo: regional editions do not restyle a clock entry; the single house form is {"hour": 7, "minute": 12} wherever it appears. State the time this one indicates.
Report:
{"hour": 8, "minute": 2}
